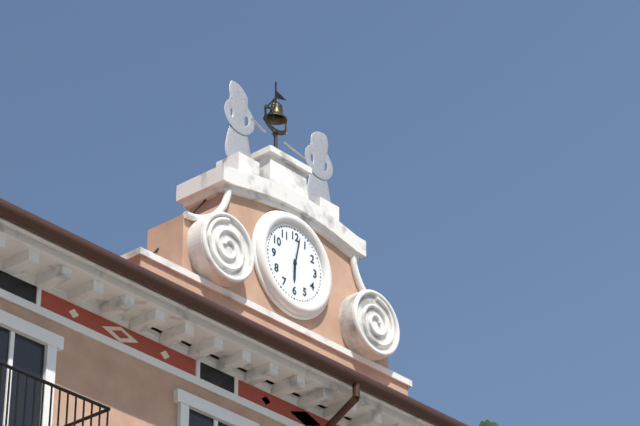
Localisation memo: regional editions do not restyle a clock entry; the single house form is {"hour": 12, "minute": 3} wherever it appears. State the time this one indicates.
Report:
{"hour": 6, "minute": 2}
